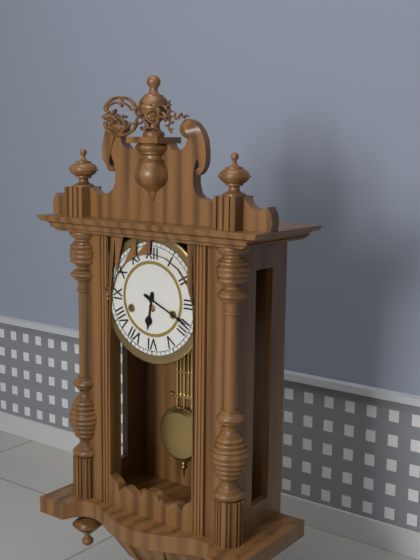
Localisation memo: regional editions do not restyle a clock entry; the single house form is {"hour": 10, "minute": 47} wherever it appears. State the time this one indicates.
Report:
{"hour": 6, "minute": 19}
